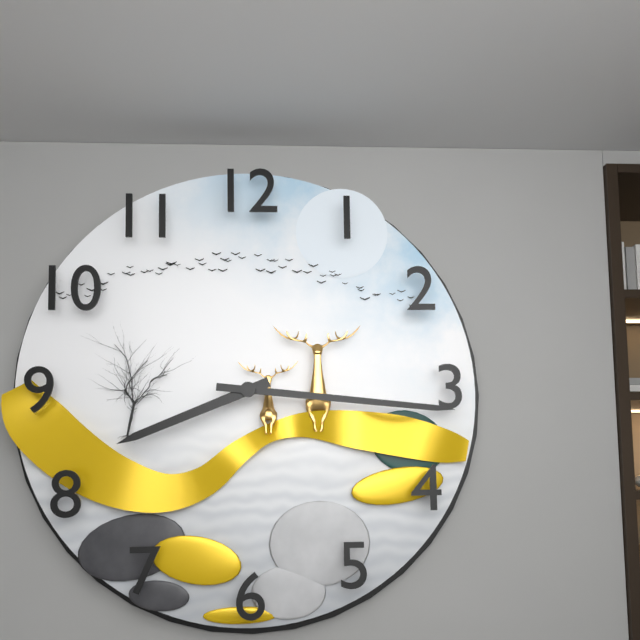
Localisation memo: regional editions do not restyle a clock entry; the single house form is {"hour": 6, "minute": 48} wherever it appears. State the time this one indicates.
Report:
{"hour": 8, "minute": 16}
